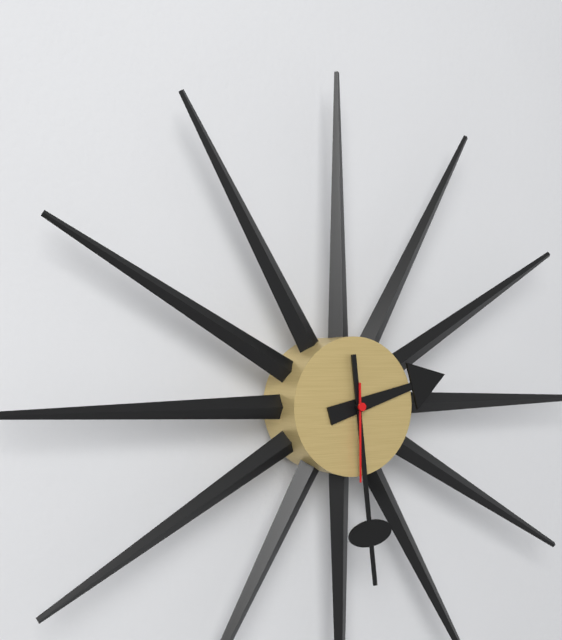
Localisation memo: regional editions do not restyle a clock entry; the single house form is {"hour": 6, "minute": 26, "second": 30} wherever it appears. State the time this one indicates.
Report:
{"hour": 2, "minute": 29, "second": 30}
